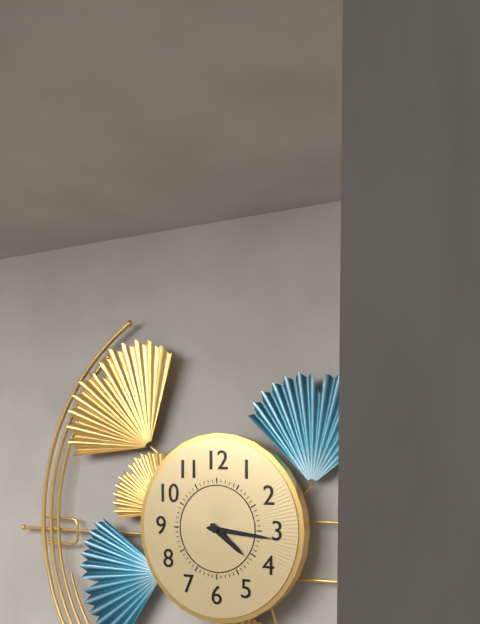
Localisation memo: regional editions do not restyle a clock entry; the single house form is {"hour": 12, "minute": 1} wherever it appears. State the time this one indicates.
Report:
{"hour": 4, "minute": 16}
